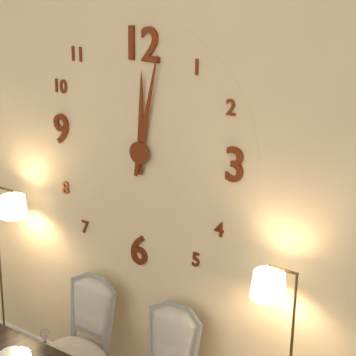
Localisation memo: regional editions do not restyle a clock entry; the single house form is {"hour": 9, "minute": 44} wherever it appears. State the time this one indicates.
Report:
{"hour": 12, "minute": 2}
